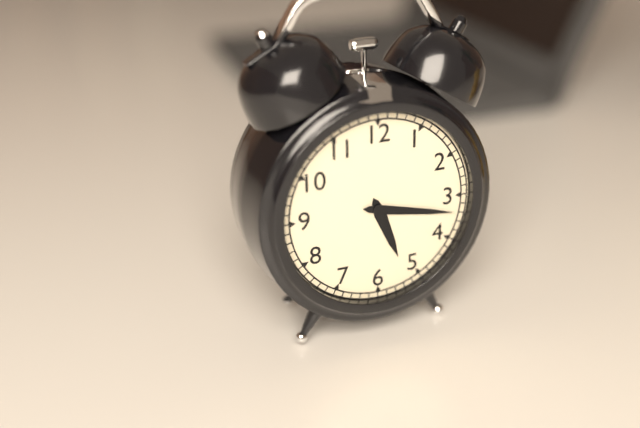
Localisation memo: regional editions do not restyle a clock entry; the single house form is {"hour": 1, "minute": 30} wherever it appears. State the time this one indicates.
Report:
{"hour": 5, "minute": 17}
